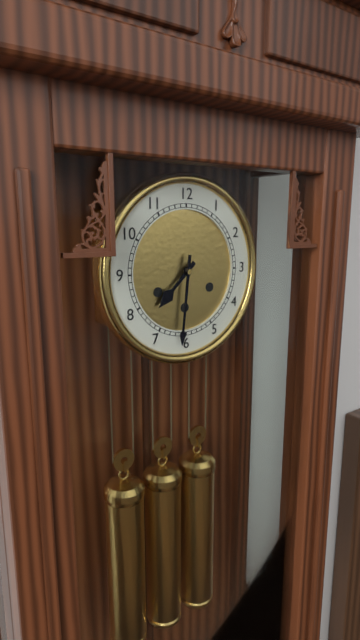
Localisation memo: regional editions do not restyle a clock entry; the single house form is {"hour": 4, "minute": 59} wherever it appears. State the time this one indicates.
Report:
{"hour": 7, "minute": 31}
